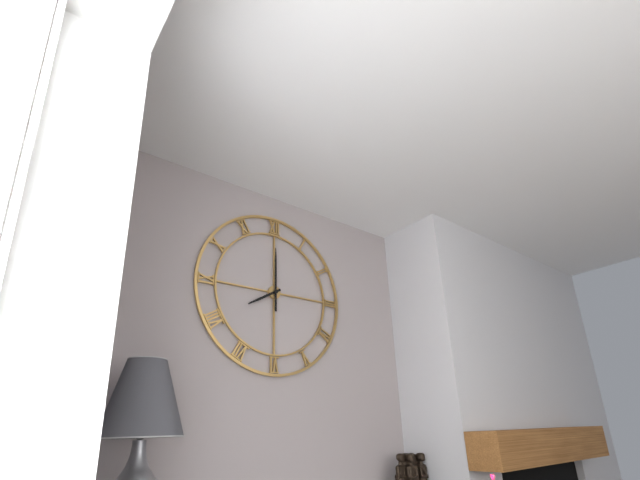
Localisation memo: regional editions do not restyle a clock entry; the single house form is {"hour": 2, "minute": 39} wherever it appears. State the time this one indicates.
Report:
{"hour": 8, "minute": 0}
